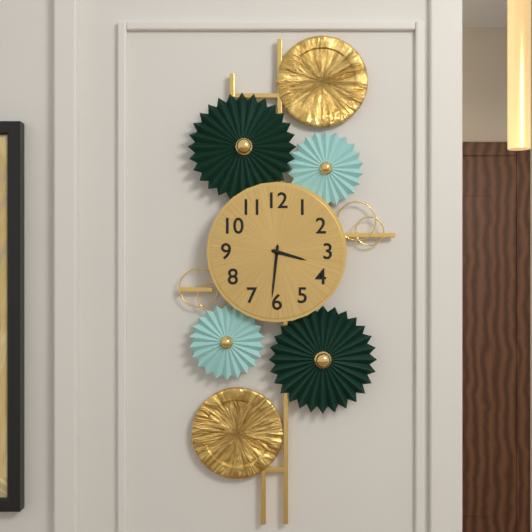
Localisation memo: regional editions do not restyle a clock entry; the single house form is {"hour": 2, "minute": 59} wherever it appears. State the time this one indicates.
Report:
{"hour": 3, "minute": 31}
